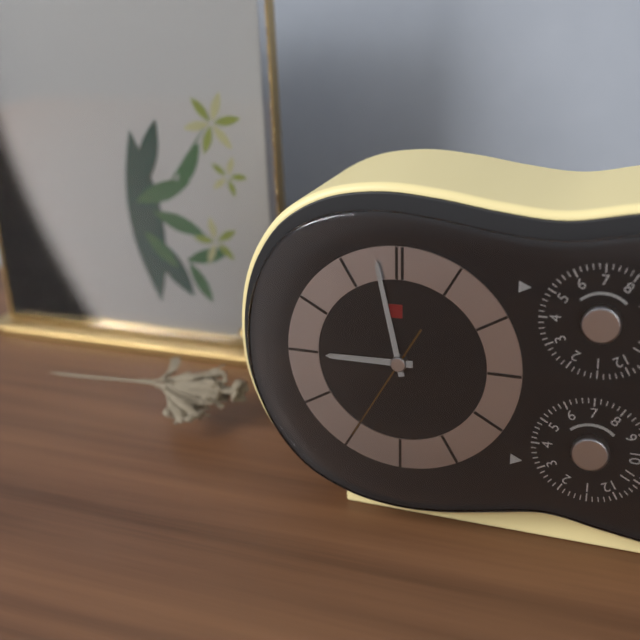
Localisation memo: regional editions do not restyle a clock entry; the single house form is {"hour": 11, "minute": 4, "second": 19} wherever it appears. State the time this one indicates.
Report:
{"hour": 8, "minute": 58, "second": 35}
